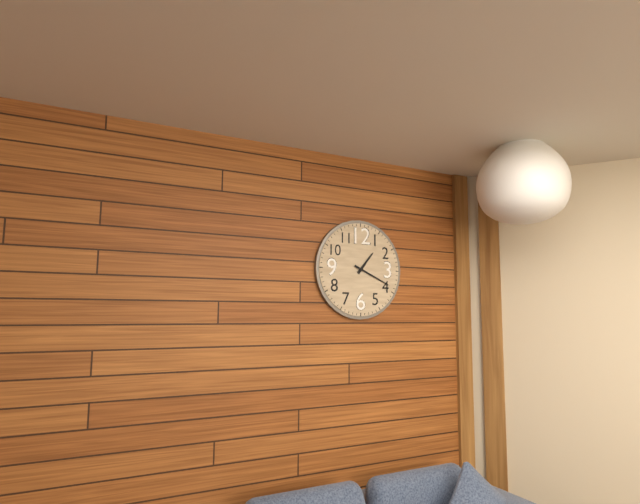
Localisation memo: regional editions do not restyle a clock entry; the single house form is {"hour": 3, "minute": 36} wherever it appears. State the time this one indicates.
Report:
{"hour": 1, "minute": 19}
